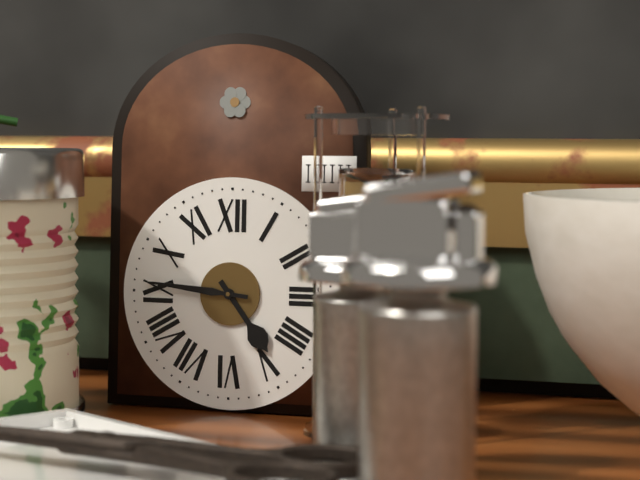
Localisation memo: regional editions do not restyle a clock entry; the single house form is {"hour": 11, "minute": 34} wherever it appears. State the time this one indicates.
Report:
{"hour": 4, "minute": 46}
